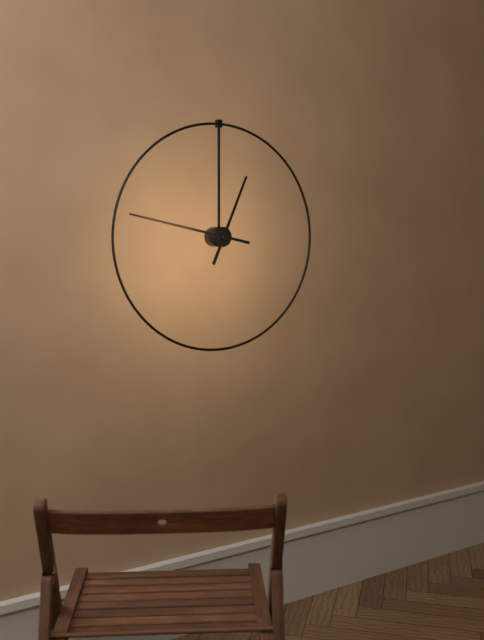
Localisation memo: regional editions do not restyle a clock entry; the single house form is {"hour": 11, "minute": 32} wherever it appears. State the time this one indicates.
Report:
{"hour": 12, "minute": 47}
